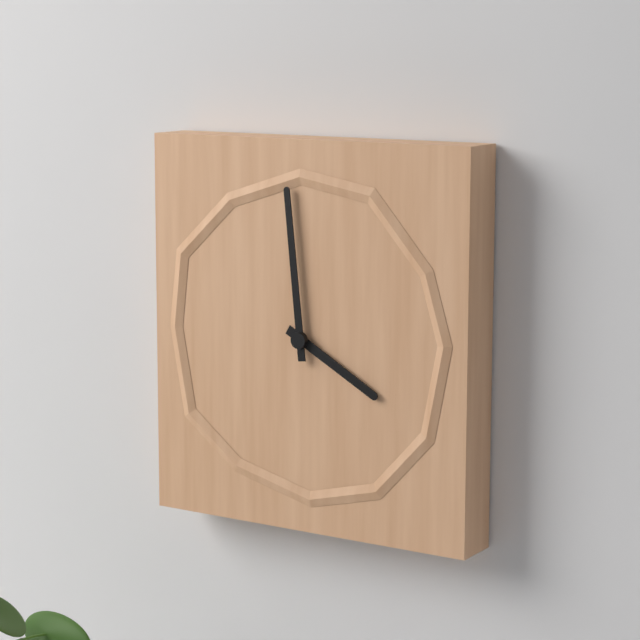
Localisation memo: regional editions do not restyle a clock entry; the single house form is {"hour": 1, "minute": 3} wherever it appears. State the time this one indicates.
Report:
{"hour": 3, "minute": 59}
